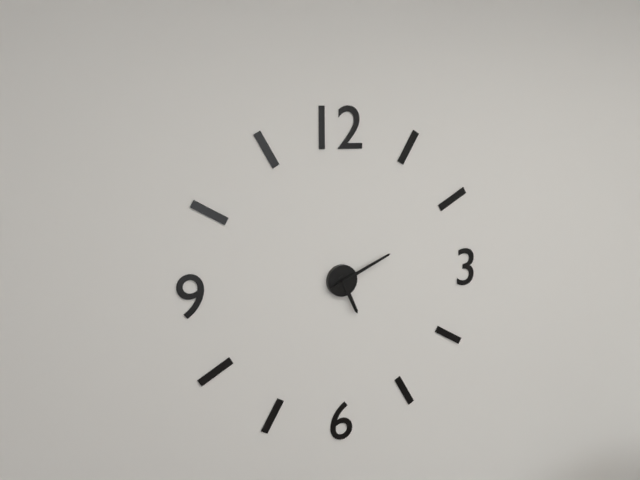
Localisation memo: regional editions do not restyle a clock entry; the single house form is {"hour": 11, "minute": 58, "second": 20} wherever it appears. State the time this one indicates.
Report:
{"hour": 5, "minute": 11, "second": 11}
